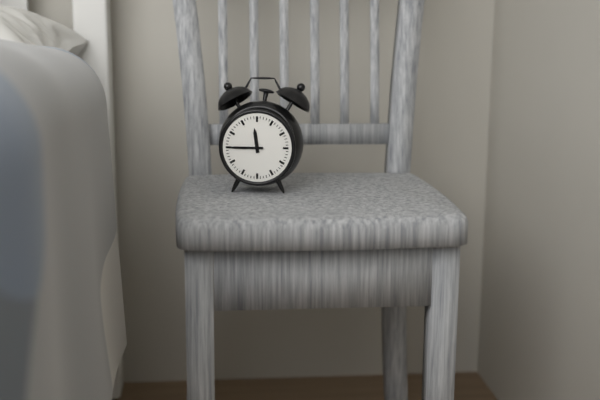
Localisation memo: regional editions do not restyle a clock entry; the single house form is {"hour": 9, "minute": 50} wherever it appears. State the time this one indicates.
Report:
{"hour": 11, "minute": 45}
